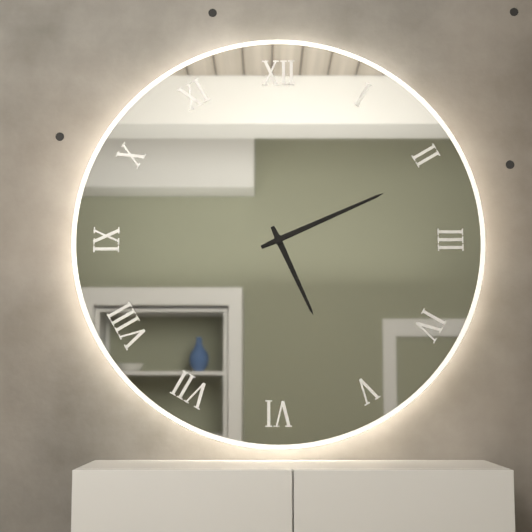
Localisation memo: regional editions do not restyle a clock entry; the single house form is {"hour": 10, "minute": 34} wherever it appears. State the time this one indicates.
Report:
{"hour": 5, "minute": 11}
